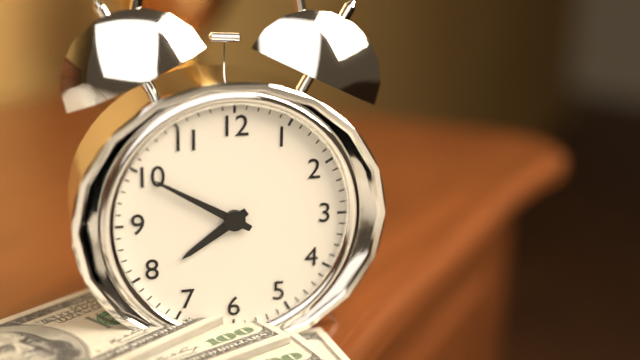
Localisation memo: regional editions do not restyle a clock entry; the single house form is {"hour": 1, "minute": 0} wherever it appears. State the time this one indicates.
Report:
{"hour": 7, "minute": 50}
